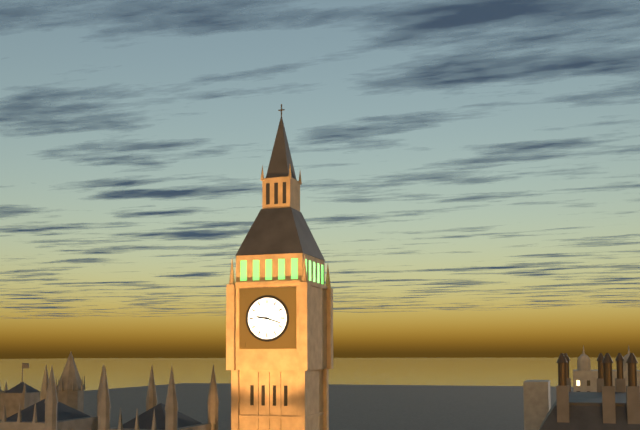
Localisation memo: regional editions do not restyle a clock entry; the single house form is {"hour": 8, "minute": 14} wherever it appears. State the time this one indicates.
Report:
{"hour": 9, "minute": 18}
